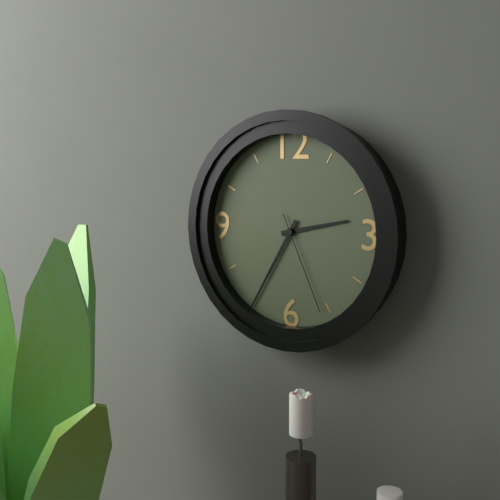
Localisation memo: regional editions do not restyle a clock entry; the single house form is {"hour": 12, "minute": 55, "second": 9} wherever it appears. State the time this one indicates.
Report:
{"hour": 2, "minute": 35, "second": 26}
